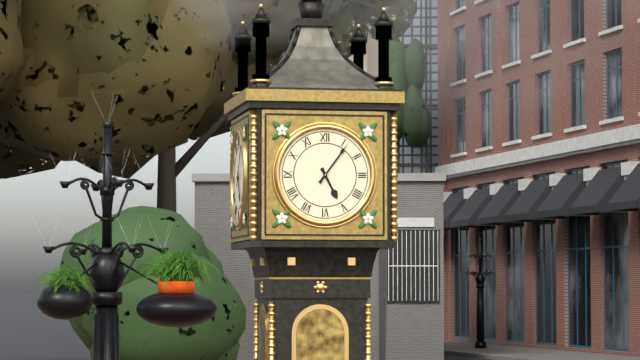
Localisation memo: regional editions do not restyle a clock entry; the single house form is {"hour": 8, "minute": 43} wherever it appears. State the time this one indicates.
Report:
{"hour": 5, "minute": 6}
